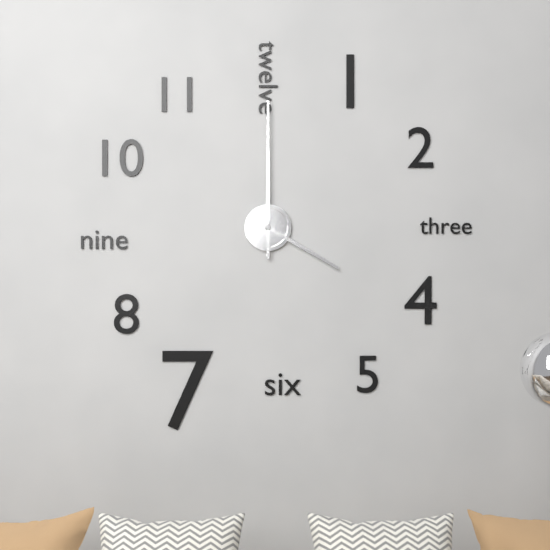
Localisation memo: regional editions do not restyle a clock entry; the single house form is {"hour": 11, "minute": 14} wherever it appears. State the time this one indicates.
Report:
{"hour": 4, "minute": 0}
